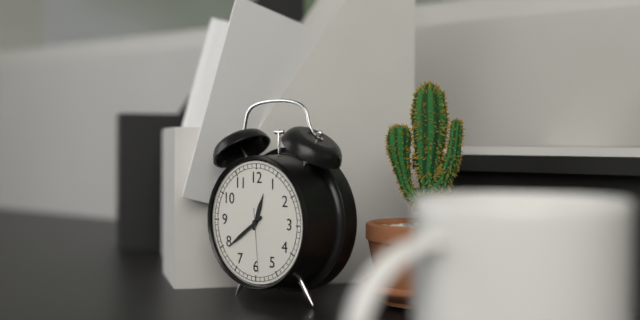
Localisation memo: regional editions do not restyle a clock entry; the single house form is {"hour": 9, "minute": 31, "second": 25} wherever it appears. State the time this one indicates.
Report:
{"hour": 12, "minute": 39, "second": 29}
